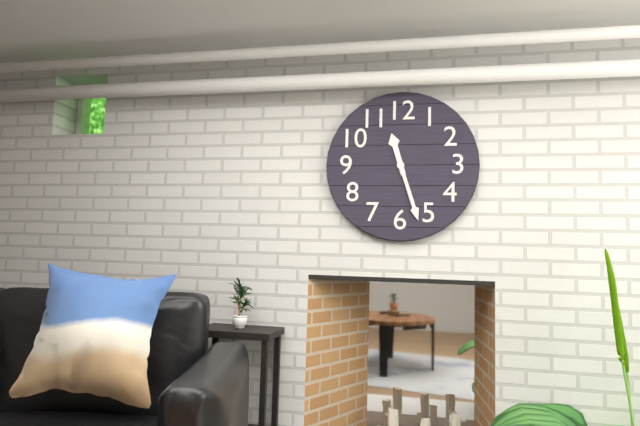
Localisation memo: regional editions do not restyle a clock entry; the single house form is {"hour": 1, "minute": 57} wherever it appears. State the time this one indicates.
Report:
{"hour": 11, "minute": 27}
